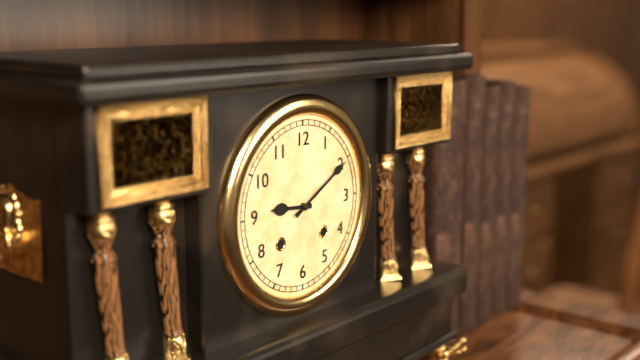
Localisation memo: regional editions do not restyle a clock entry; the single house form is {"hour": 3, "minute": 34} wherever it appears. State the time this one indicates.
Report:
{"hour": 9, "minute": 10}
